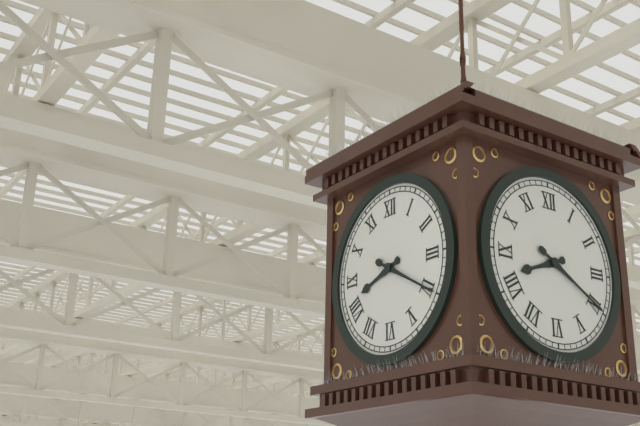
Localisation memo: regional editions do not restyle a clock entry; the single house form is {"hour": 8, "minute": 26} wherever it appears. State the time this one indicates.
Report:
{"hour": 8, "minute": 20}
